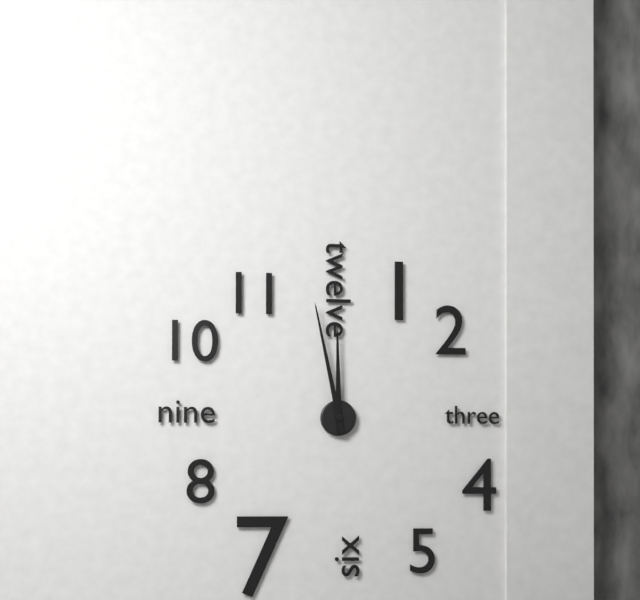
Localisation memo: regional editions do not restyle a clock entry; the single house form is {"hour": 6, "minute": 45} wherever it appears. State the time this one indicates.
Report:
{"hour": 11, "minute": 58}
